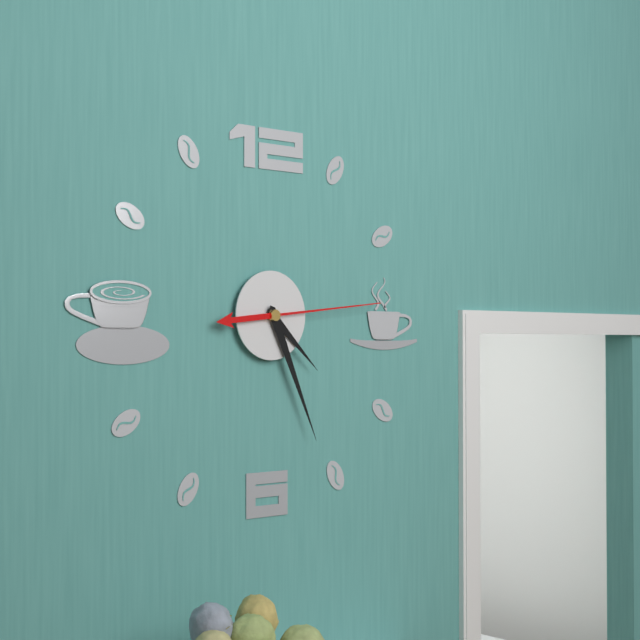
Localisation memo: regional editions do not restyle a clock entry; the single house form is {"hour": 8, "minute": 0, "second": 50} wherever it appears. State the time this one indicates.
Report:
{"hour": 4, "minute": 26, "second": 14}
